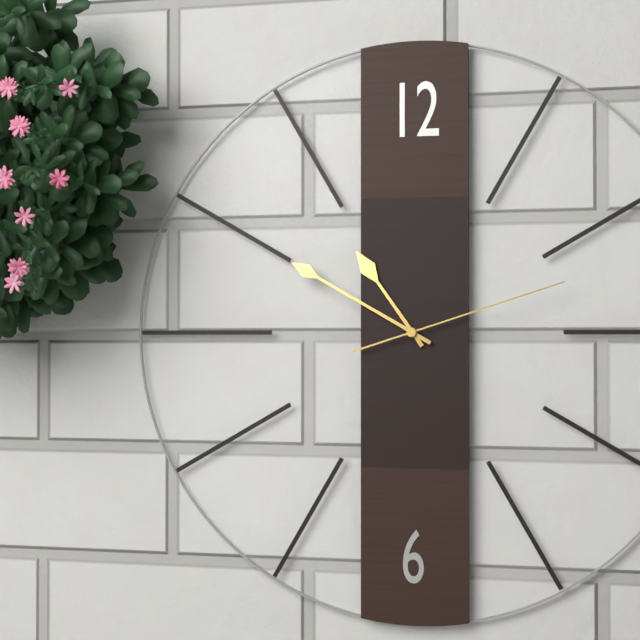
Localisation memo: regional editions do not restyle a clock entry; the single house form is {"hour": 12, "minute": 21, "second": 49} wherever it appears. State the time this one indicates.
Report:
{"hour": 10, "minute": 50, "second": 12}
